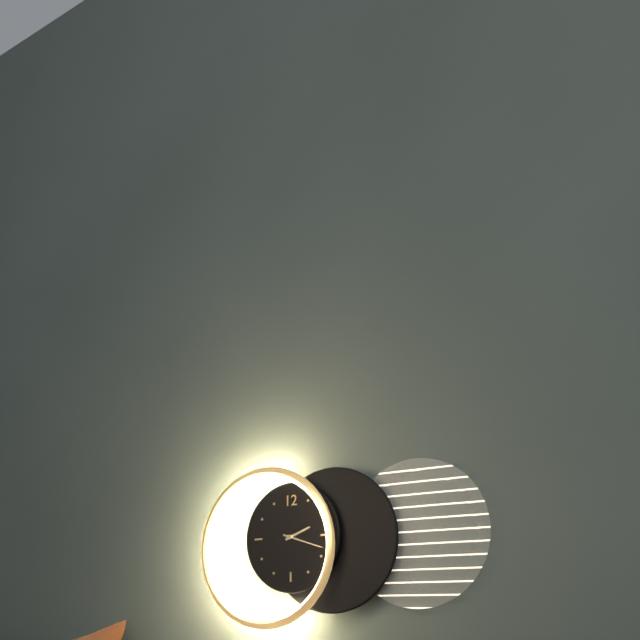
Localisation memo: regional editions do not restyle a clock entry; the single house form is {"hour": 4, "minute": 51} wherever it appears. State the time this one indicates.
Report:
{"hour": 2, "minute": 18}
